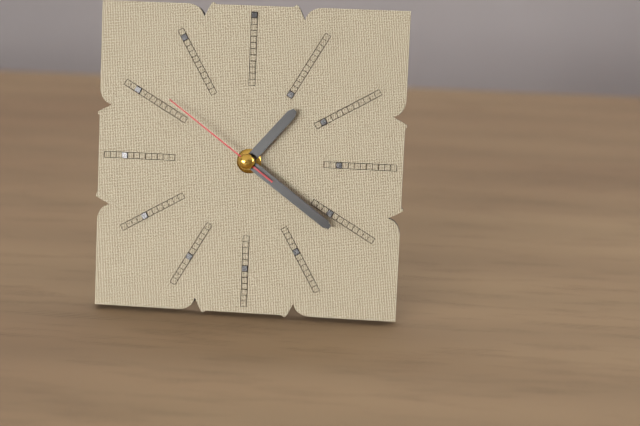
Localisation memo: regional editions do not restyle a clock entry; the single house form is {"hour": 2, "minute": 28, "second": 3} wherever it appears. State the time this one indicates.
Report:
{"hour": 1, "minute": 21, "second": 51}
